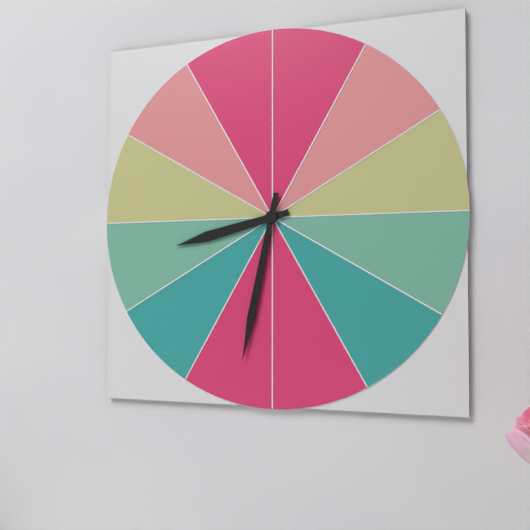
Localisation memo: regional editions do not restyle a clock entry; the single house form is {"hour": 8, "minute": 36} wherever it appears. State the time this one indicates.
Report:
{"hour": 8, "minute": 32}
